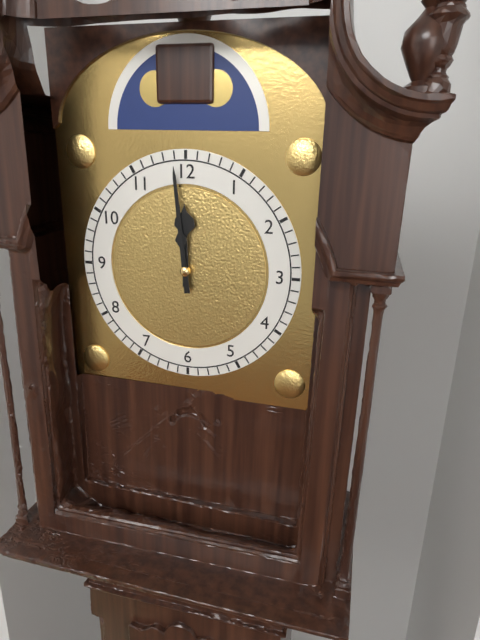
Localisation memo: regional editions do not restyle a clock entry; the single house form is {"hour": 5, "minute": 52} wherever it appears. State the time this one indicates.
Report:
{"hour": 11, "minute": 59}
